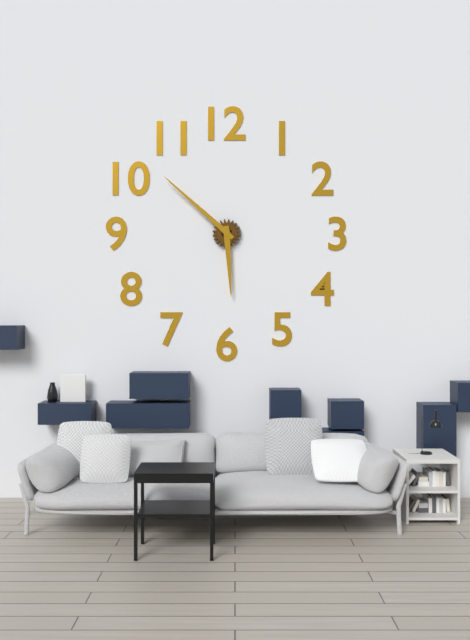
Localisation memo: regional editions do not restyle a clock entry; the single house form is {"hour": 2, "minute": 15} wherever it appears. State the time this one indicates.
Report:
{"hour": 5, "minute": 52}
